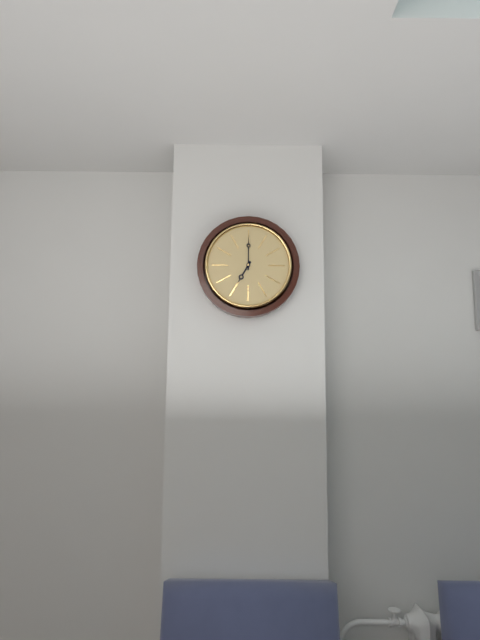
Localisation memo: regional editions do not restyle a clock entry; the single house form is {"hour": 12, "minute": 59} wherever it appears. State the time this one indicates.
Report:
{"hour": 7, "minute": 0}
